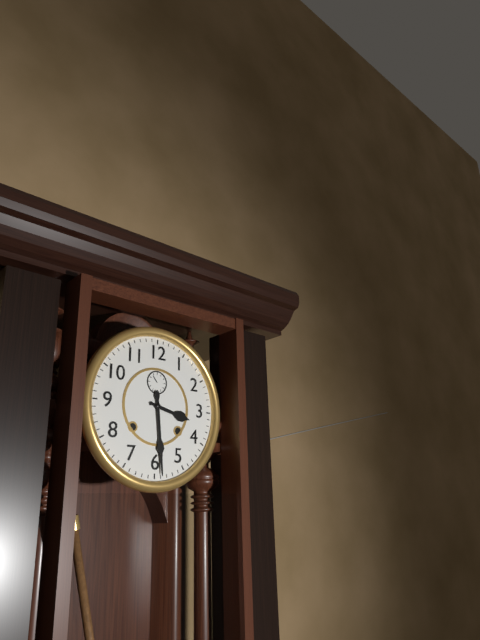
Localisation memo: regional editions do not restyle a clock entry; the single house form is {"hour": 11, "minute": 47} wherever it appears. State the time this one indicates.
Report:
{"hour": 3, "minute": 29}
